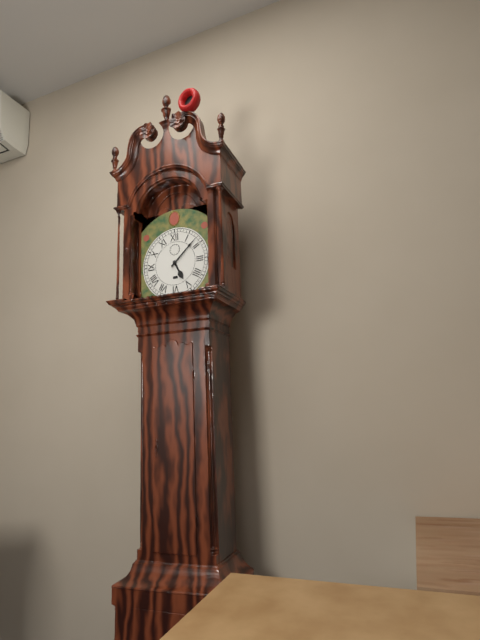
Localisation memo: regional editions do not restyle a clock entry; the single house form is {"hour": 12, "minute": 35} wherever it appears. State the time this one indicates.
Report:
{"hour": 5, "minute": 8}
